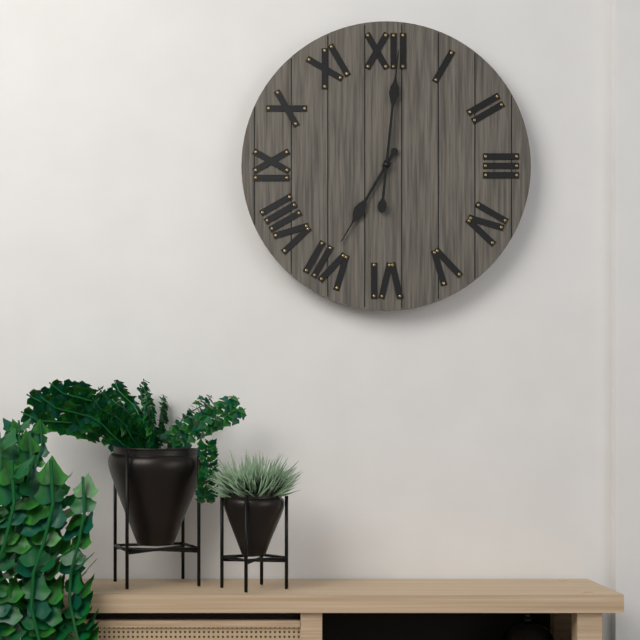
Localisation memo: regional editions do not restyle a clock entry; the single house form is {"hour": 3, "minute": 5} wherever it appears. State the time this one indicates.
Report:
{"hour": 7, "minute": 1}
